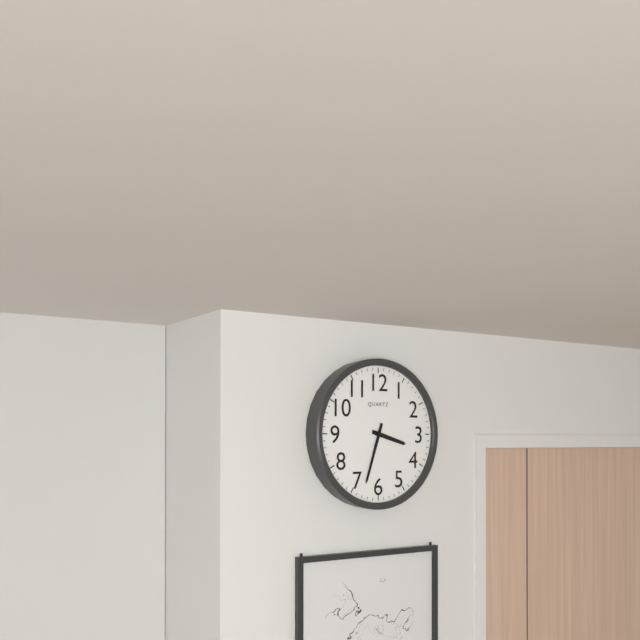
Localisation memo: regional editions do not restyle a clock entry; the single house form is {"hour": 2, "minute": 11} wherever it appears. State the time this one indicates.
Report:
{"hour": 3, "minute": 33}
